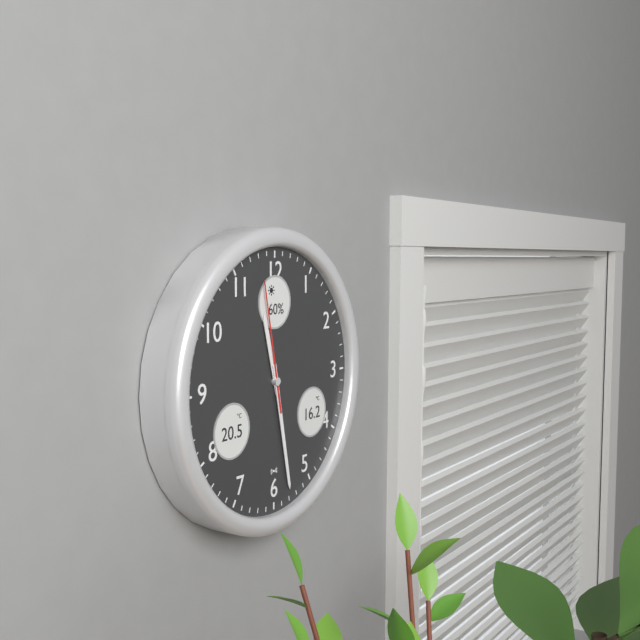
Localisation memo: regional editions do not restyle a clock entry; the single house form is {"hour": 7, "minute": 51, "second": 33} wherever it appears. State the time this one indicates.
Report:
{"hour": 11, "minute": 28, "second": 58}
